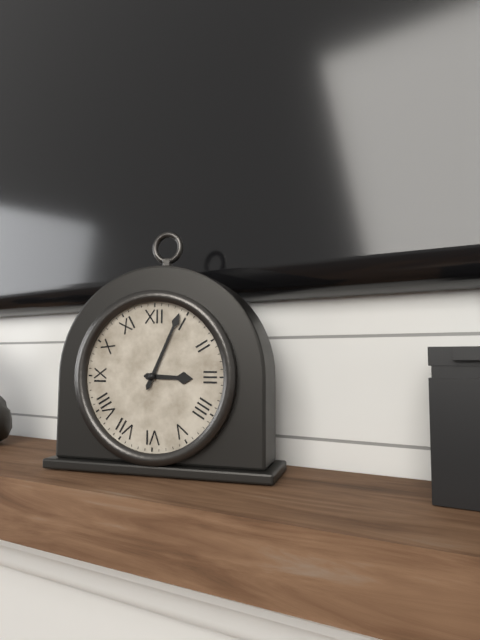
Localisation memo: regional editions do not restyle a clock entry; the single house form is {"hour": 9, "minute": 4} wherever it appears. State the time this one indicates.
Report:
{"hour": 3, "minute": 4}
